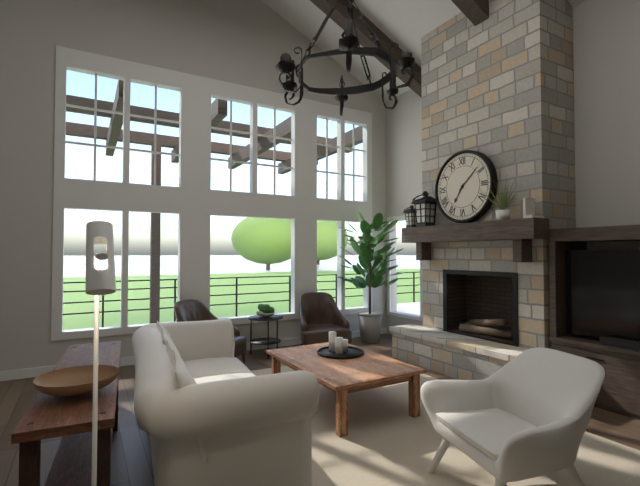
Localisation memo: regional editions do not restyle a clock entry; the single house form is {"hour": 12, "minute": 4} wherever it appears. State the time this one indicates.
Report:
{"hour": 7, "minute": 8}
